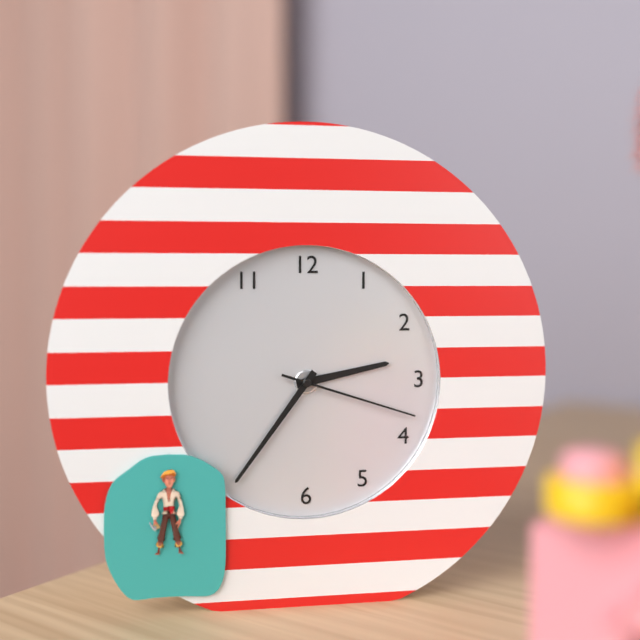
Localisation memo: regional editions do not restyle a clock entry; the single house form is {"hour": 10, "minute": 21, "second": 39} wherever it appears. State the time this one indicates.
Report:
{"hour": 2, "minute": 36, "second": 18}
